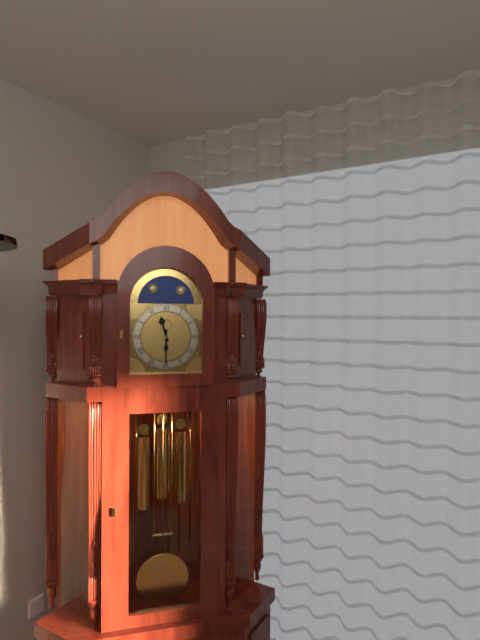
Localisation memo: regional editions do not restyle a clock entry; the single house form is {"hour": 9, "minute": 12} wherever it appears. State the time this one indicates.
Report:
{"hour": 11, "minute": 30}
